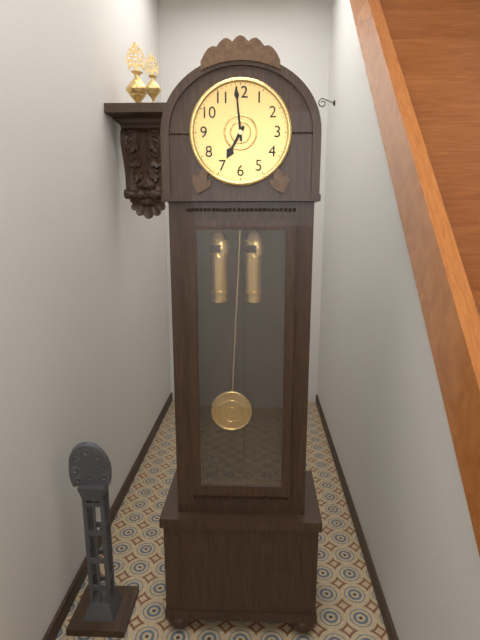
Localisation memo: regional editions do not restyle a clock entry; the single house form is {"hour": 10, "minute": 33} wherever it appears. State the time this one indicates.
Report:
{"hour": 6, "minute": 59}
